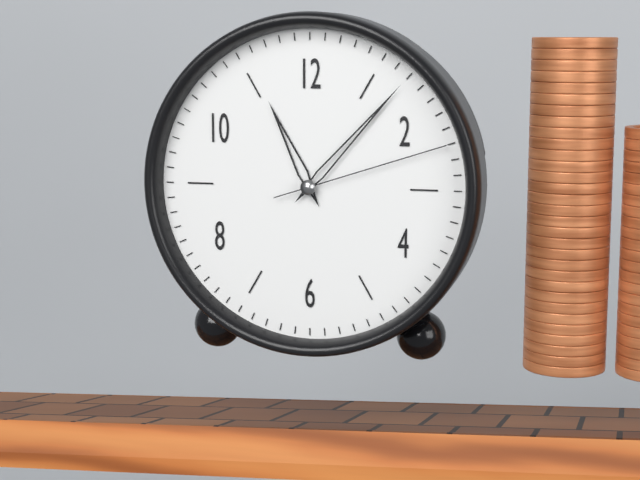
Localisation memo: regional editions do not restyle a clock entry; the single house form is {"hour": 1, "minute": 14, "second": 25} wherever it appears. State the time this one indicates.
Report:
{"hour": 11, "minute": 7, "second": 12}
